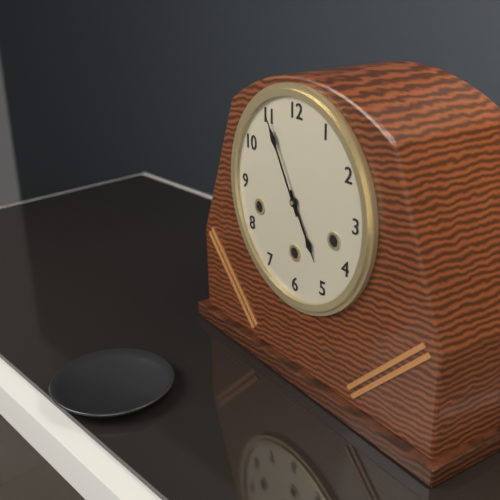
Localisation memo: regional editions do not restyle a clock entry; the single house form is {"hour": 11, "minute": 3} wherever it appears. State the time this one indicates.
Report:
{"hour": 4, "minute": 55}
